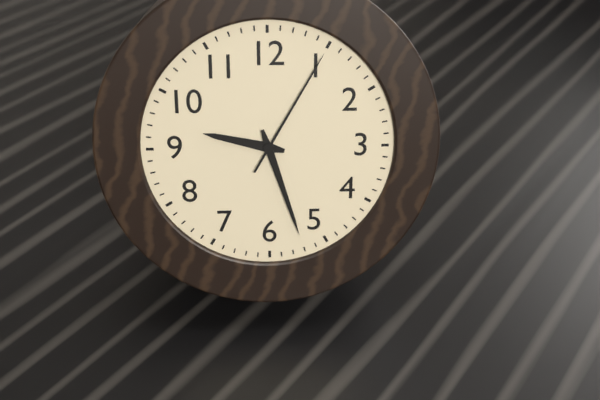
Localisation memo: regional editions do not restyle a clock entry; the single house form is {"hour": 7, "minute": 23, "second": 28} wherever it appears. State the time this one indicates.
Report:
{"hour": 9, "minute": 27, "second": 5}
